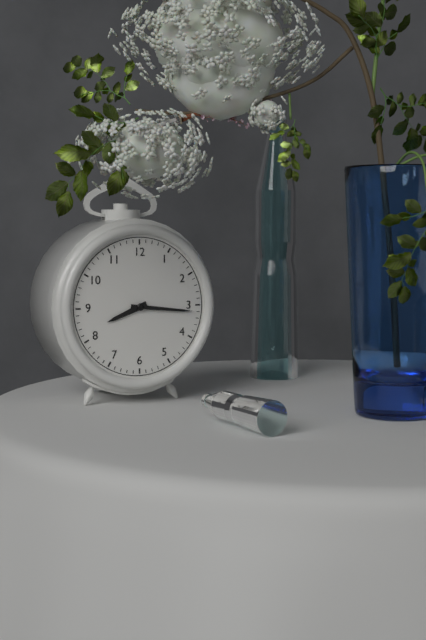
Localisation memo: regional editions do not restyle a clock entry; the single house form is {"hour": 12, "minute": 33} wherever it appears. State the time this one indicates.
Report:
{"hour": 8, "minute": 16}
